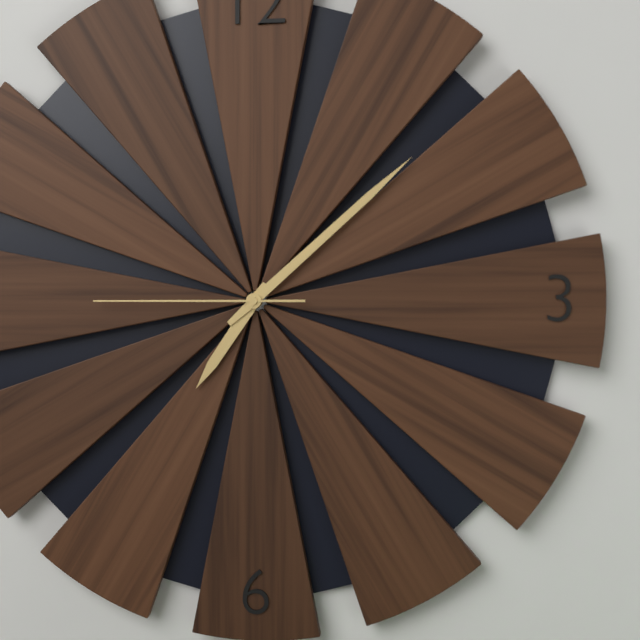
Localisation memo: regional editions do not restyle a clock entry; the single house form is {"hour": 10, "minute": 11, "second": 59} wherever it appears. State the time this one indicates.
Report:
{"hour": 7, "minute": 8, "second": 45}
